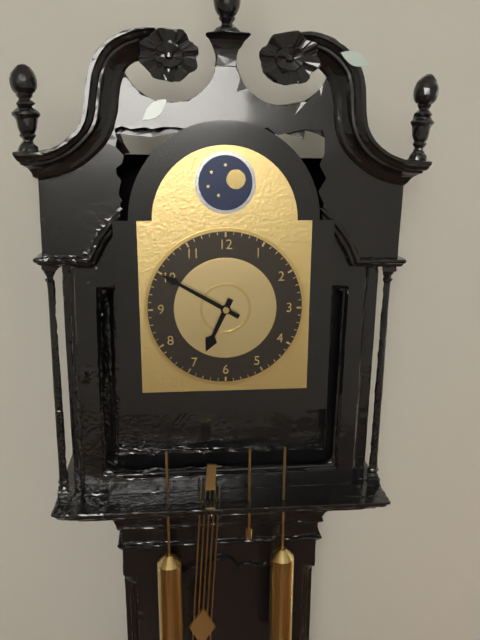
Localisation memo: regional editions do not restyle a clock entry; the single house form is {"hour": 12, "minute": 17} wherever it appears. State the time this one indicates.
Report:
{"hour": 6, "minute": 50}
